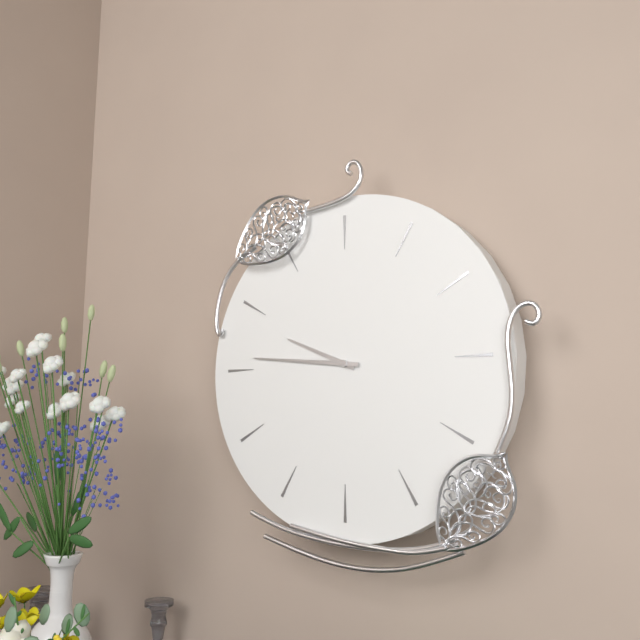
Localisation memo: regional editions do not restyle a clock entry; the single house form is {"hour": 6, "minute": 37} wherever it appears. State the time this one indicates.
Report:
{"hour": 9, "minute": 46}
